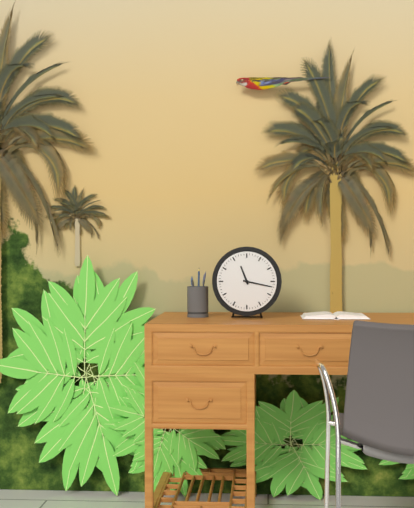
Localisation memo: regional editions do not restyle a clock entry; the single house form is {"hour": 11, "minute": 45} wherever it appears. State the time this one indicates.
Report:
{"hour": 11, "minute": 17}
